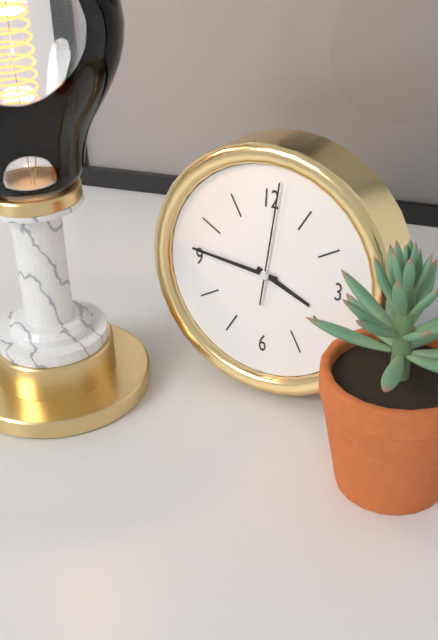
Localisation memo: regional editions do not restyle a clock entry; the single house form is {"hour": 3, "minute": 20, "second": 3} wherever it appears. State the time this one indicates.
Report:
{"hour": 3, "minute": 46, "second": 1}
